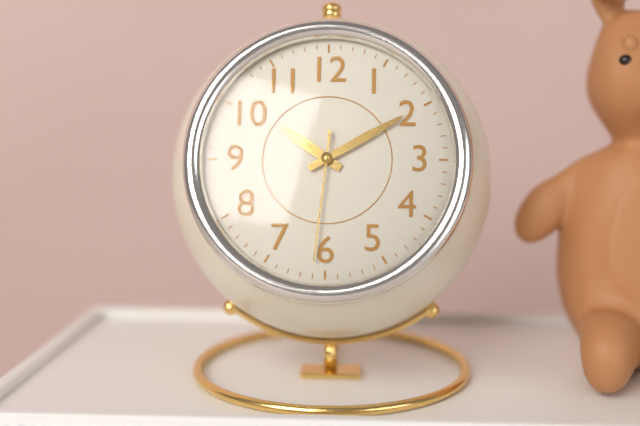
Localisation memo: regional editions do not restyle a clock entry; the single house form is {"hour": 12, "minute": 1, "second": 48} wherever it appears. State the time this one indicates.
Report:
{"hour": 10, "minute": 10, "second": 31}
